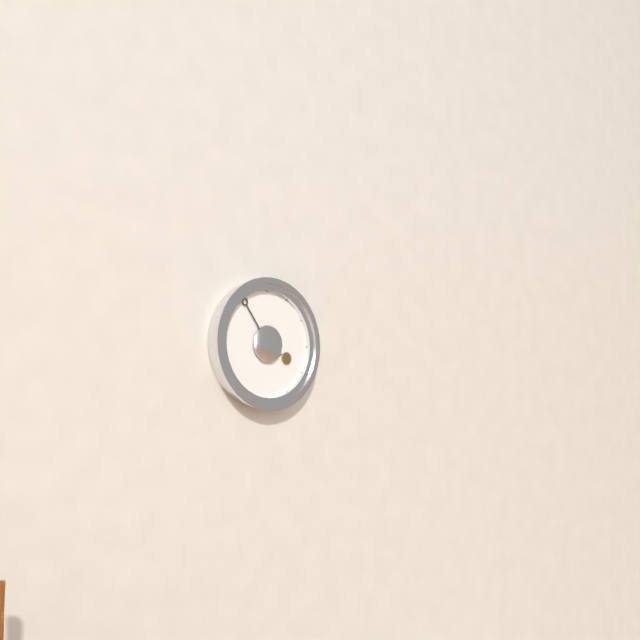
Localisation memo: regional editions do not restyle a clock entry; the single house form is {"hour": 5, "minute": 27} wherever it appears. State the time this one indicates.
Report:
{"hour": 3, "minute": 54}
